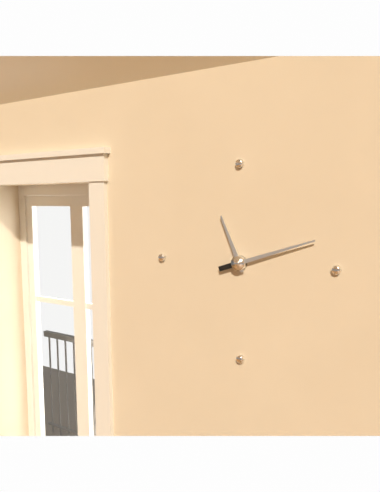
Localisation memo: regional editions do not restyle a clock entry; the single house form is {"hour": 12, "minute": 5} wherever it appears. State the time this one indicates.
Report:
{"hour": 11, "minute": 12}
